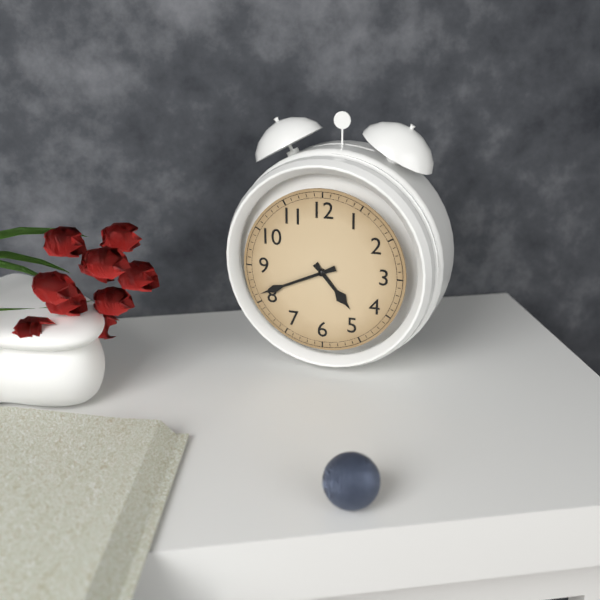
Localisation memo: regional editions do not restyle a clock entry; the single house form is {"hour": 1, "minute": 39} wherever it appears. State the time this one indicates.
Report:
{"hour": 4, "minute": 41}
